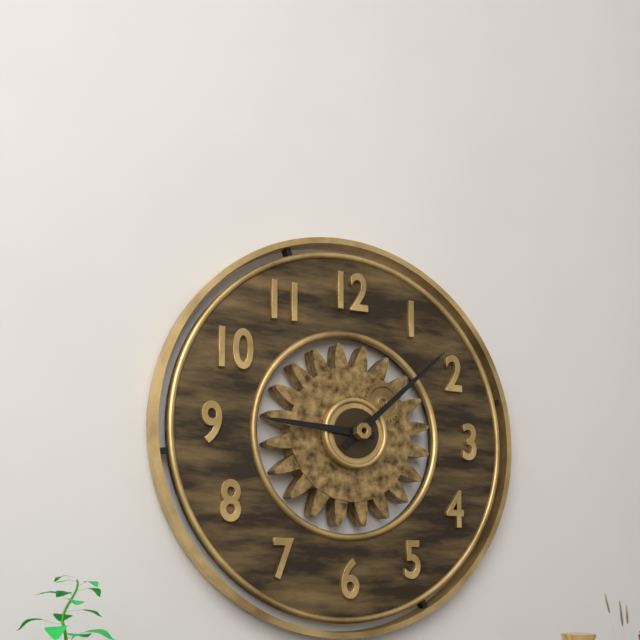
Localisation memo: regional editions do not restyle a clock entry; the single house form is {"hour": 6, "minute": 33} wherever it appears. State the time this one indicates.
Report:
{"hour": 9, "minute": 8}
